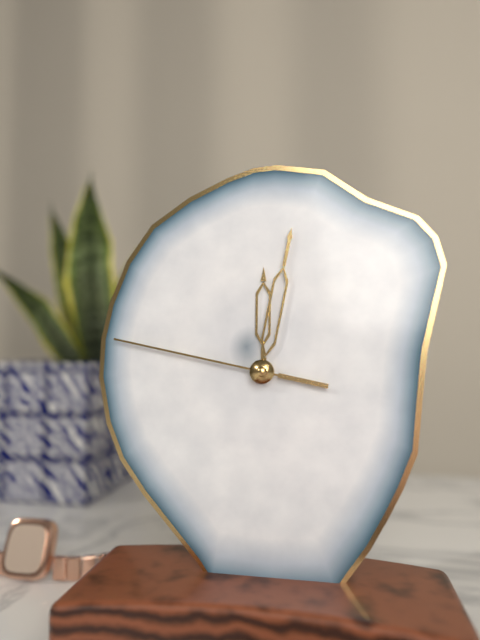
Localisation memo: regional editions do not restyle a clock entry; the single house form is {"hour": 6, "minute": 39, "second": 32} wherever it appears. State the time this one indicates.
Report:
{"hour": 12, "minute": 2, "second": 47}
